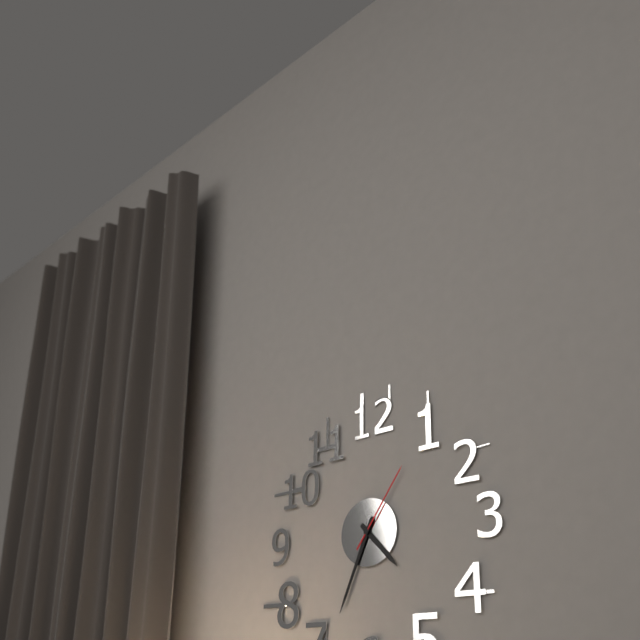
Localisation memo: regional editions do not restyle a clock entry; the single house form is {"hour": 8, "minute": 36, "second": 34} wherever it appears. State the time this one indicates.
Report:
{"hour": 4, "minute": 34, "second": 6}
